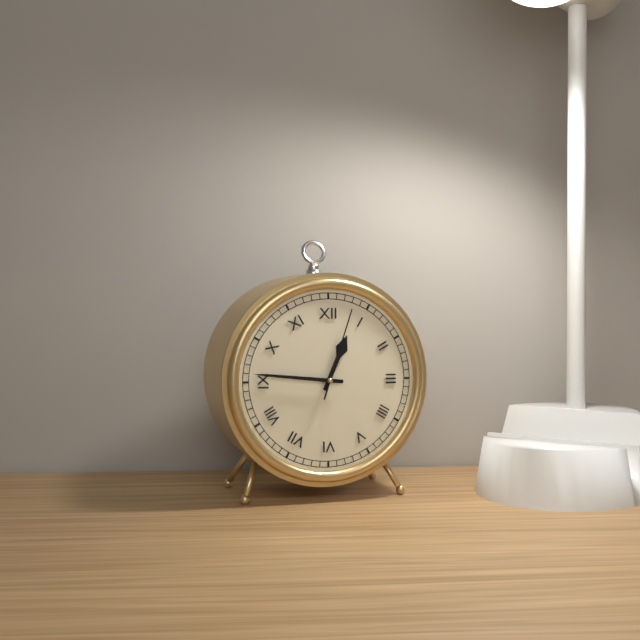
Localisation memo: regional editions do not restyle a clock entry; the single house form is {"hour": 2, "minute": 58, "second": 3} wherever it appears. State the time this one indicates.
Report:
{"hour": 12, "minute": 46, "second": 3}
